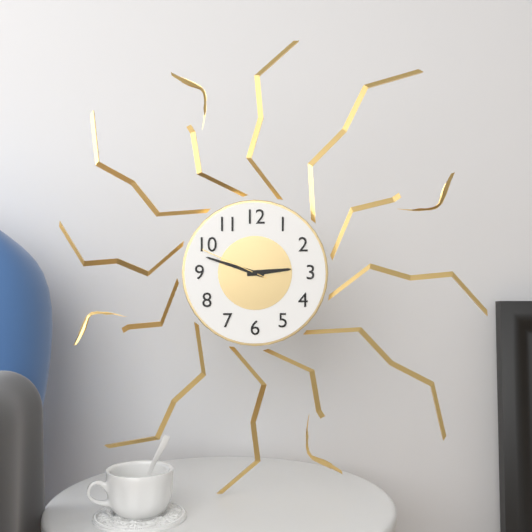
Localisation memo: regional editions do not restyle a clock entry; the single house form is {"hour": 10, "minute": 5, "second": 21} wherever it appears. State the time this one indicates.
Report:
{"hour": 2, "minute": 48, "second": 49}
